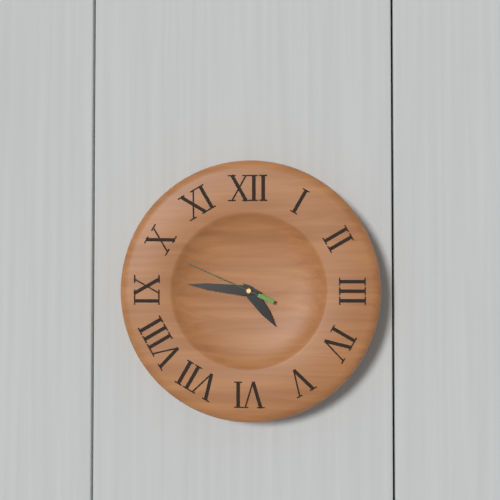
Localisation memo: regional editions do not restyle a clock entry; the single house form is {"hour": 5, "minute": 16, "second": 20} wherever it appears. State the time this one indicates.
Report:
{"hour": 4, "minute": 46, "second": 49}
